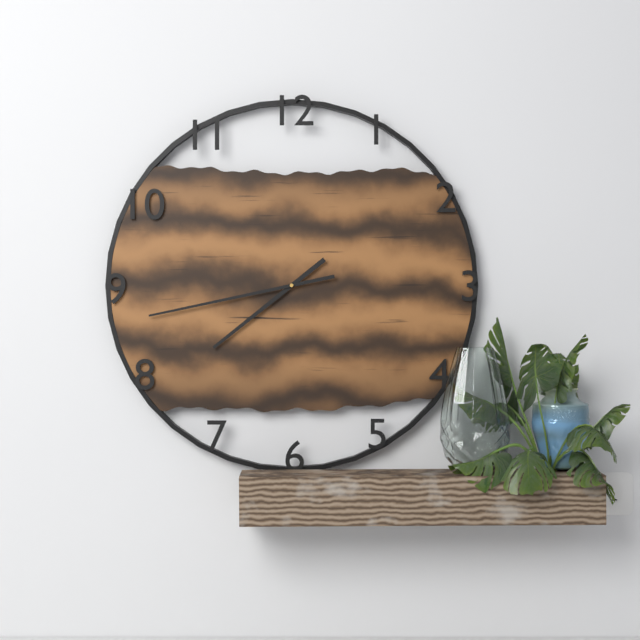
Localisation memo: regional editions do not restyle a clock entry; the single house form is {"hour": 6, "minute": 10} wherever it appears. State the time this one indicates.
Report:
{"hour": 7, "minute": 43}
